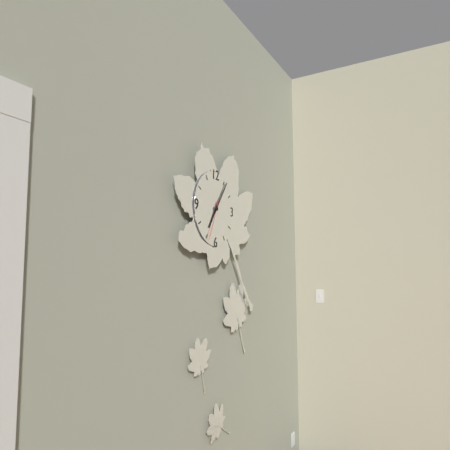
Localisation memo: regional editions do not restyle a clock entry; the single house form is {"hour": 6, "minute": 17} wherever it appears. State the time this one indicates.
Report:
{"hour": 7, "minute": 6}
